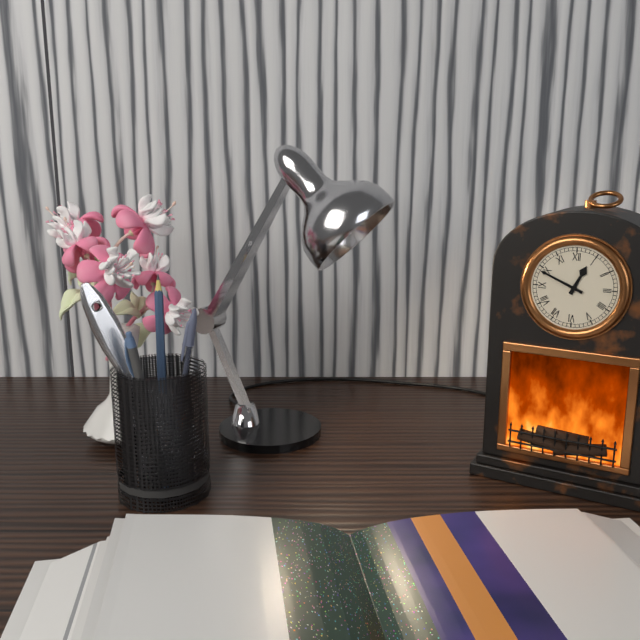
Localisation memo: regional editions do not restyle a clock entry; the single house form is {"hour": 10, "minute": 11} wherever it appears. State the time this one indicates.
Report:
{"hour": 12, "minute": 49}
